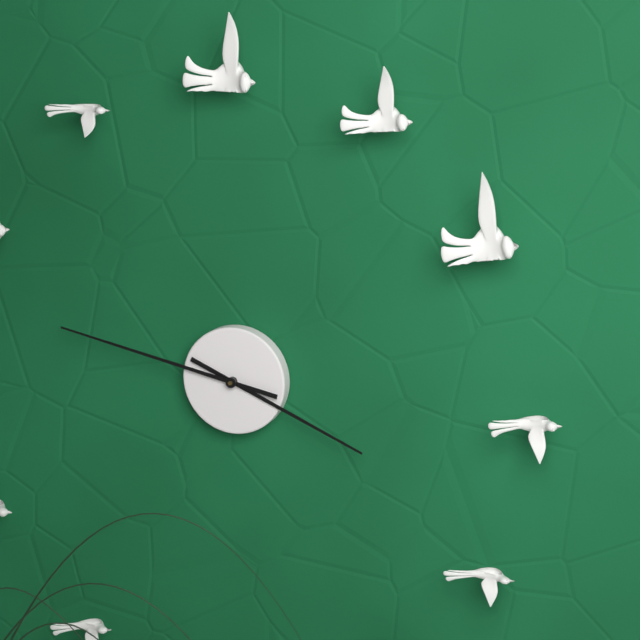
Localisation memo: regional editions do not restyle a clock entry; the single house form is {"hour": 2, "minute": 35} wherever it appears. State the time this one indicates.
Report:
{"hour": 3, "minute": 47}
